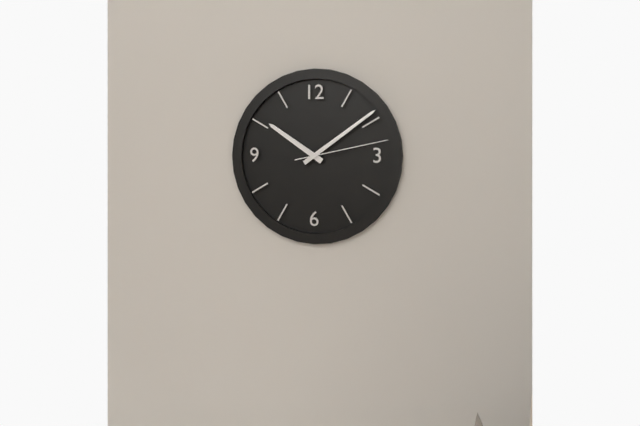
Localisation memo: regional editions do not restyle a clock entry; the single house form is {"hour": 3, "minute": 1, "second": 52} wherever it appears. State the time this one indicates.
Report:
{"hour": 10, "minute": 9, "second": 13}
